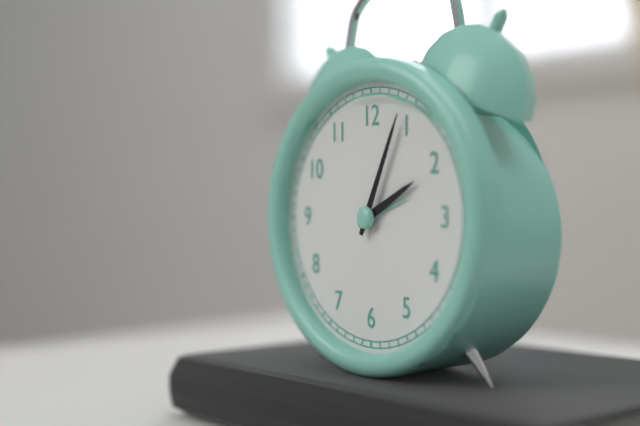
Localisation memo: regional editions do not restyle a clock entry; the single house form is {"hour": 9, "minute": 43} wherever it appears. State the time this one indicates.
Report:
{"hour": 2, "minute": 4}
